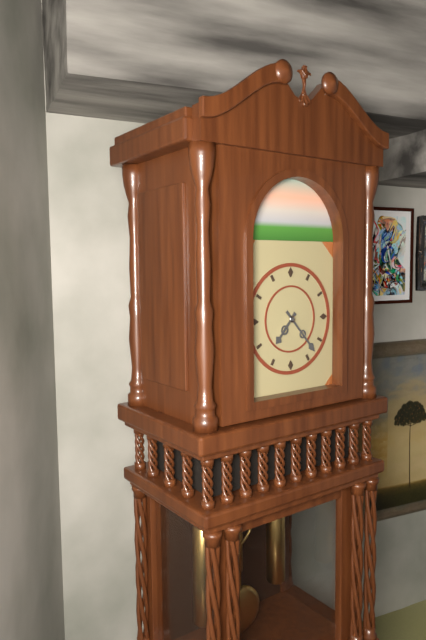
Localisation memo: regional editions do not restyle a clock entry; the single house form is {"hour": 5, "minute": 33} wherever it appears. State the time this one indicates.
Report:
{"hour": 7, "minute": 23}
